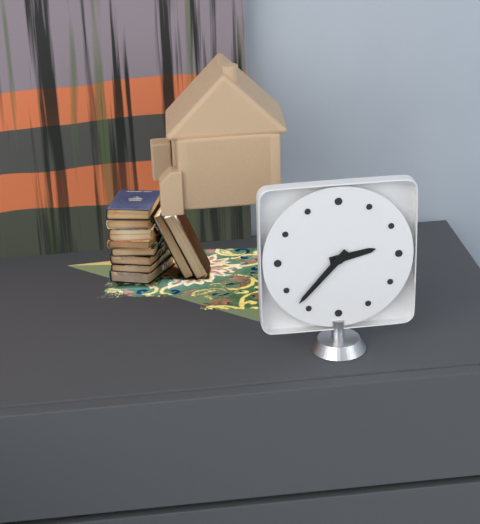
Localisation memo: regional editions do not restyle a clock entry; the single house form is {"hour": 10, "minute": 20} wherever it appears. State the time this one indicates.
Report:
{"hour": 2, "minute": 37}
